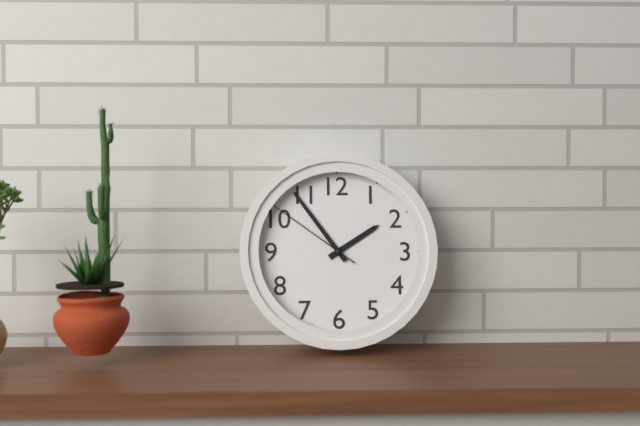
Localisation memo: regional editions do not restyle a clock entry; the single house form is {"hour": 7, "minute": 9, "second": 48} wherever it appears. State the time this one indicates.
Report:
{"hour": 1, "minute": 54, "second": 51}
